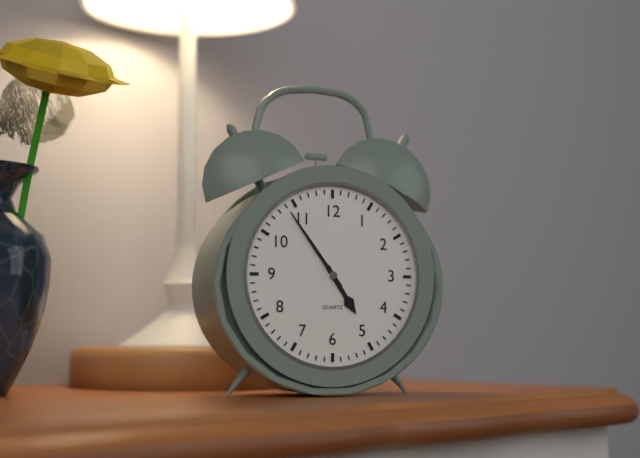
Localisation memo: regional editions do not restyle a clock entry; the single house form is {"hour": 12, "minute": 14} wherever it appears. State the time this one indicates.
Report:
{"hour": 4, "minute": 54}
